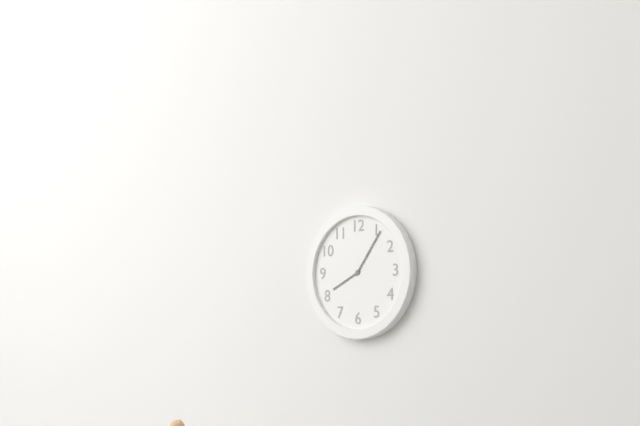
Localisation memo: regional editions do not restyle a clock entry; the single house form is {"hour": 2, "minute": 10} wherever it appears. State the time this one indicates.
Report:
{"hour": 8, "minute": 6}
